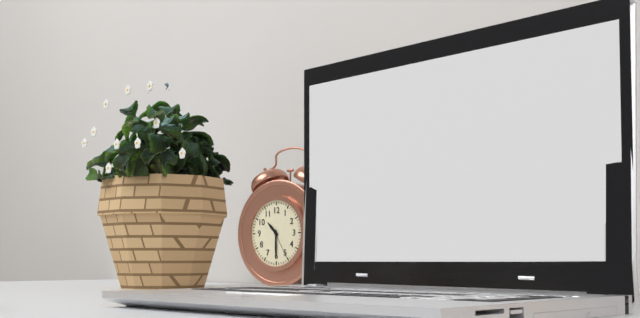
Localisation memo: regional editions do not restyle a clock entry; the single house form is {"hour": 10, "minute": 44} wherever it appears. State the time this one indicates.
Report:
{"hour": 10, "minute": 30}
